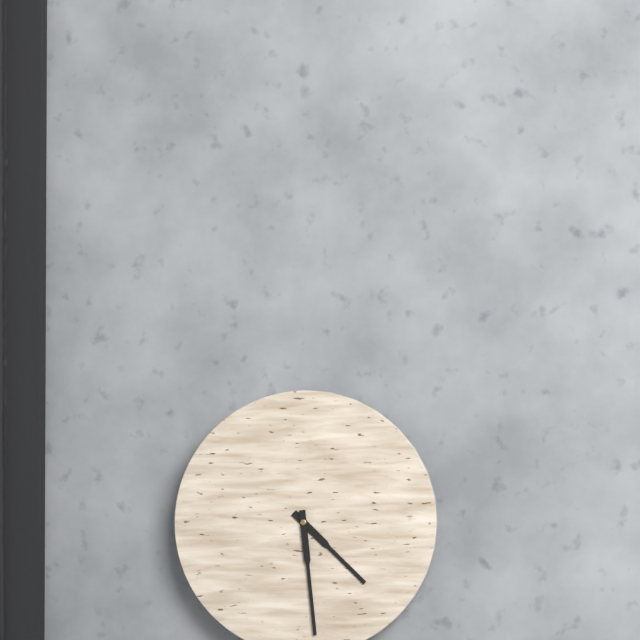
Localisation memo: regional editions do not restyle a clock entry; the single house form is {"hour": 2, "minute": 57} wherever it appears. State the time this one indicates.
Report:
{"hour": 4, "minute": 29}
